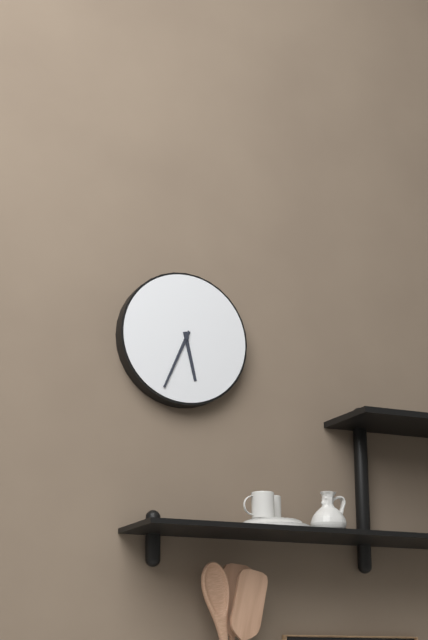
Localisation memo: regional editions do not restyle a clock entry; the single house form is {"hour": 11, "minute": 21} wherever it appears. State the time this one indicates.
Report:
{"hour": 5, "minute": 34}
